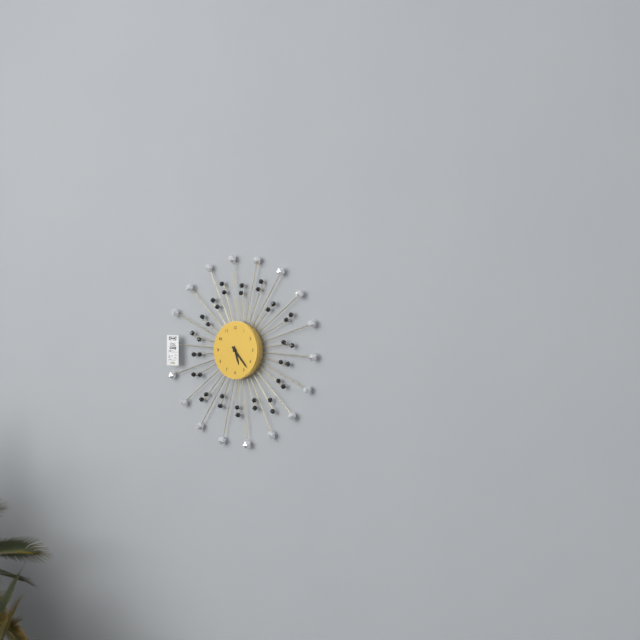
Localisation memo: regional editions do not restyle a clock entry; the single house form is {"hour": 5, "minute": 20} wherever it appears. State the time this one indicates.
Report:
{"hour": 5, "minute": 23}
